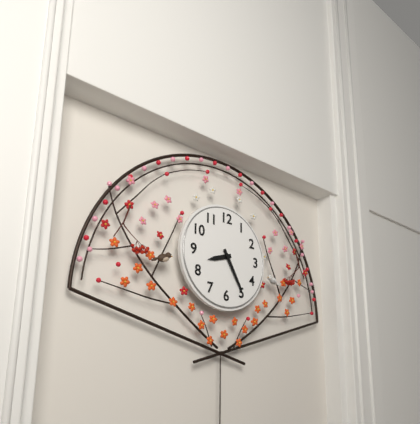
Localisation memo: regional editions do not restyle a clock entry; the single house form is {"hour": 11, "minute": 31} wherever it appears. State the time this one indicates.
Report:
{"hour": 8, "minute": 25}
